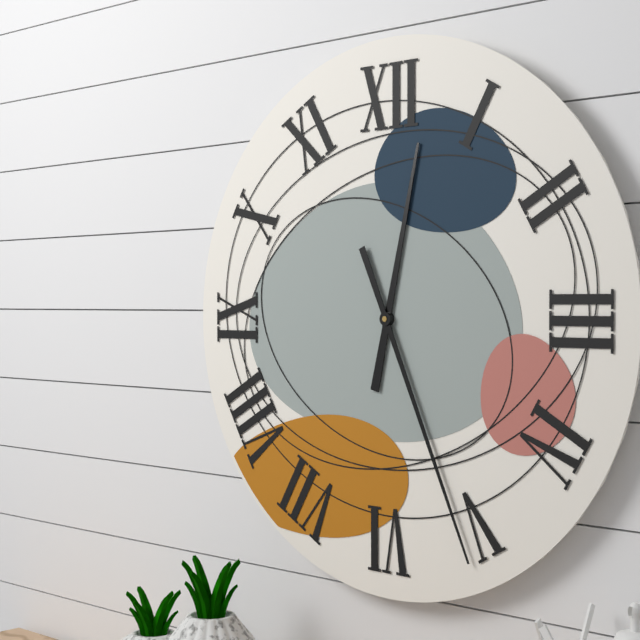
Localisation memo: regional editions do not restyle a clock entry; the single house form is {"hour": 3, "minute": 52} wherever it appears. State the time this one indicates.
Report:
{"hour": 12, "minute": 26}
